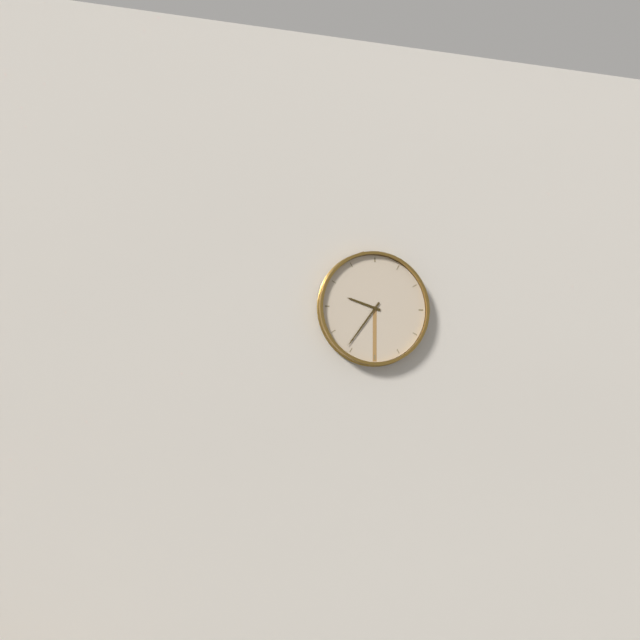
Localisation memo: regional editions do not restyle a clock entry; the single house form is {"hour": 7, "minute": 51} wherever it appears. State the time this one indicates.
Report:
{"hour": 9, "minute": 36}
